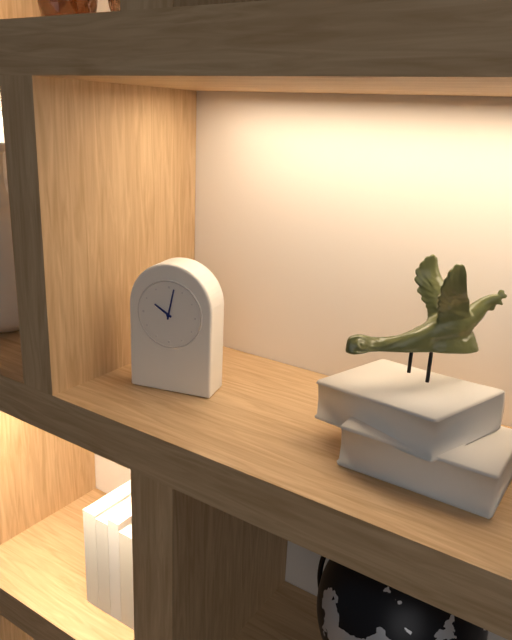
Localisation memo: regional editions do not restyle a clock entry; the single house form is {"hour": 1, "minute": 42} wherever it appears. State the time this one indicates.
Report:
{"hour": 10, "minute": 2}
